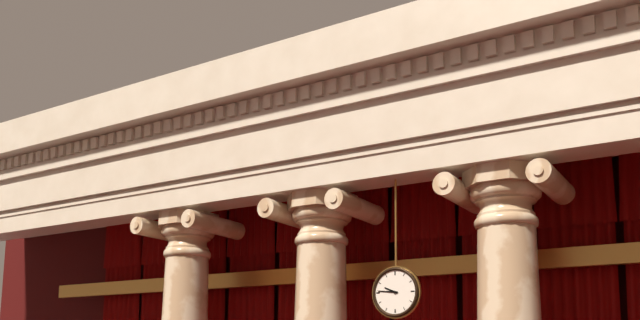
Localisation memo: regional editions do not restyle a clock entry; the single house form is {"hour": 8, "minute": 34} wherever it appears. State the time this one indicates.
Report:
{"hour": 9, "minute": 46}
